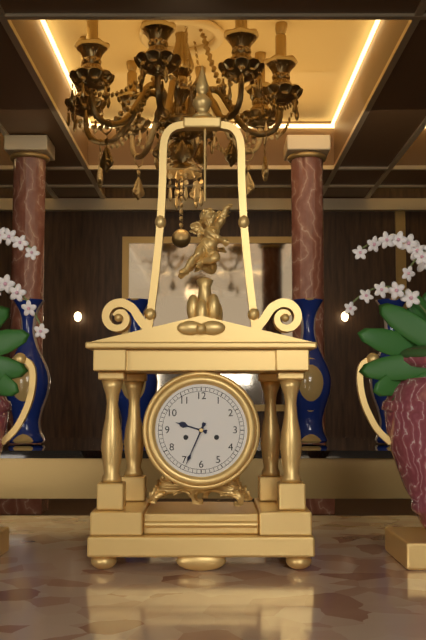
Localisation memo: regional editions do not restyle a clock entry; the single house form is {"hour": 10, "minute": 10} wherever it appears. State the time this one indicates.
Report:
{"hour": 9, "minute": 34}
